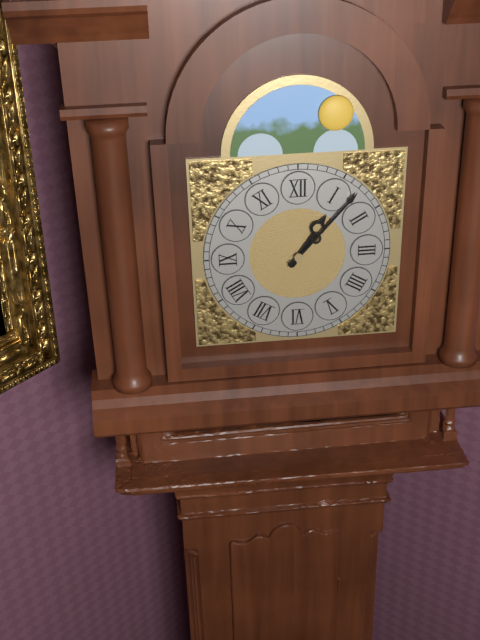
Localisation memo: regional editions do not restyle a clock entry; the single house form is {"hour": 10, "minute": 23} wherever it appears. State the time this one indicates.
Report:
{"hour": 1, "minute": 7}
